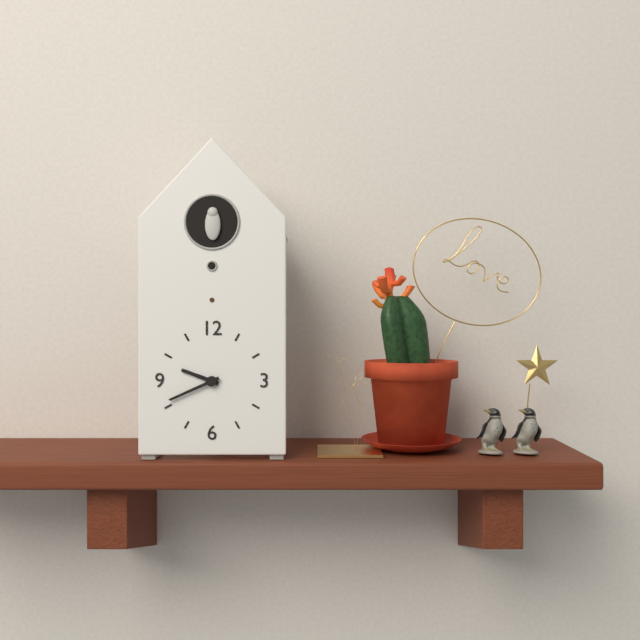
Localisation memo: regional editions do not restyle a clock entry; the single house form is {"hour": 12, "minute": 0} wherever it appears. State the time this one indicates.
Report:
{"hour": 9, "minute": 41}
